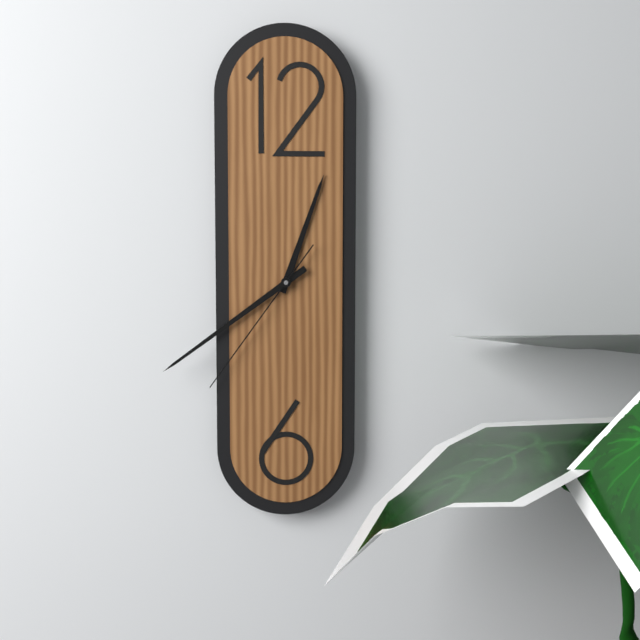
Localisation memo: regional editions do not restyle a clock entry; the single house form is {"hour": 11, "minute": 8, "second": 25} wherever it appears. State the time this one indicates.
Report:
{"hour": 12, "minute": 39, "second": 36}
